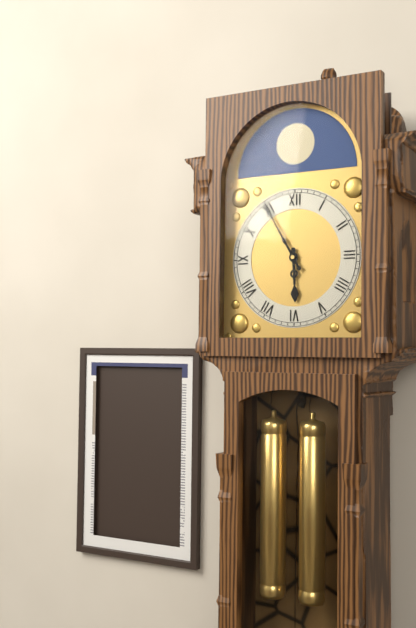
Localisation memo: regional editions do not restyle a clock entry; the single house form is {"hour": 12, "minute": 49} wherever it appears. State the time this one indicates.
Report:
{"hour": 5, "minute": 55}
